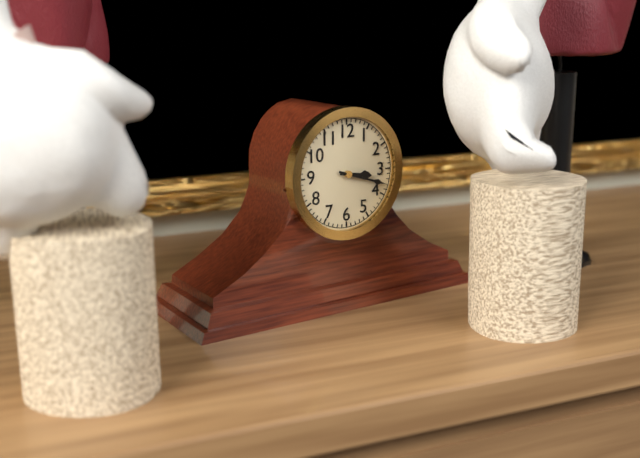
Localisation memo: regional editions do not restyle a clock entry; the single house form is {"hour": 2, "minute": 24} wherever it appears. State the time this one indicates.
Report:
{"hour": 3, "minute": 18}
